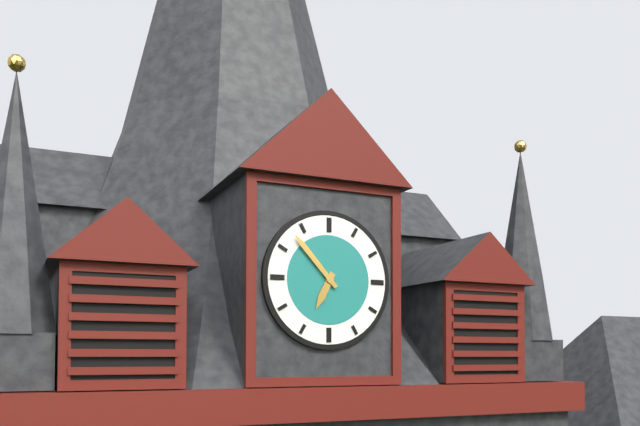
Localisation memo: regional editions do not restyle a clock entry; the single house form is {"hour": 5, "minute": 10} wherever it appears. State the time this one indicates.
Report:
{"hour": 6, "minute": 53}
